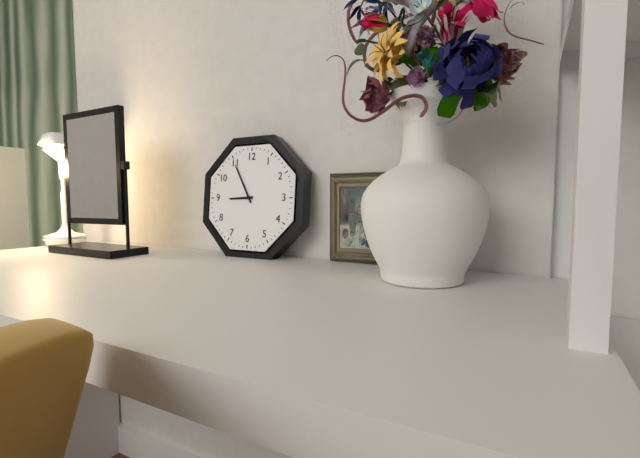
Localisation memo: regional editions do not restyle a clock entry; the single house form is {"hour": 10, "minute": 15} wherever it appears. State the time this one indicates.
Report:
{"hour": 8, "minute": 55}
